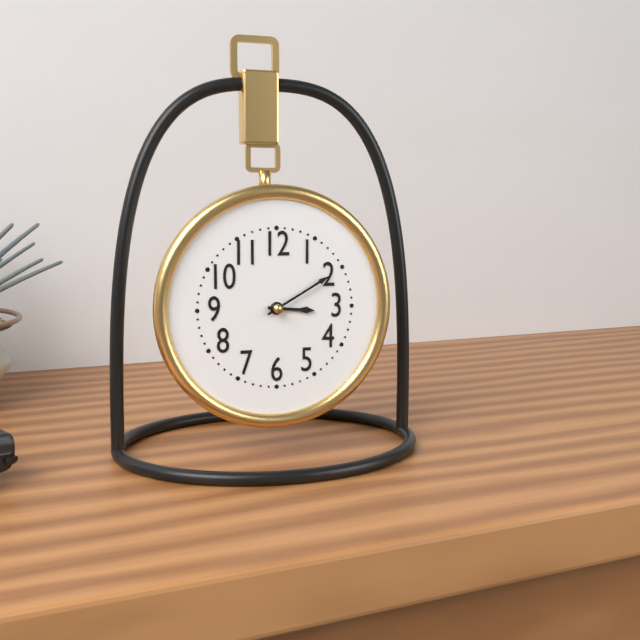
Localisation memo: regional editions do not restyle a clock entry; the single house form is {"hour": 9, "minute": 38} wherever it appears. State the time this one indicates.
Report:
{"hour": 3, "minute": 10}
